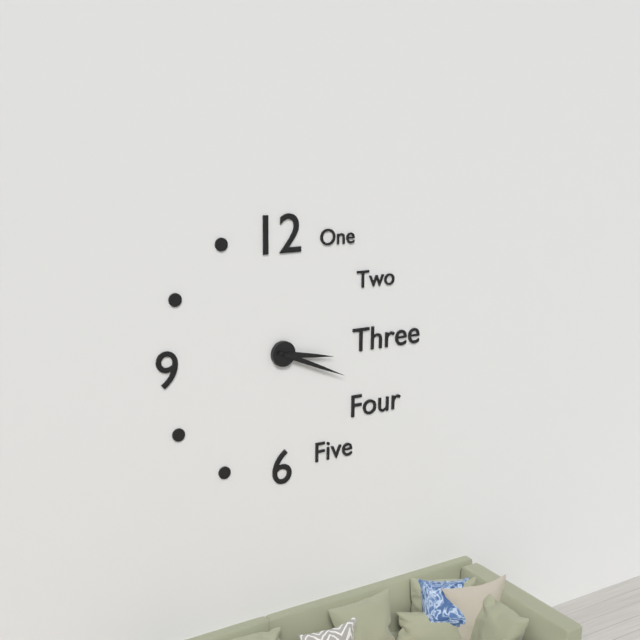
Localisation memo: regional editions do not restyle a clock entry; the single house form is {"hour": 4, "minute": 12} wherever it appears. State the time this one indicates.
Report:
{"hour": 3, "minute": 19}
